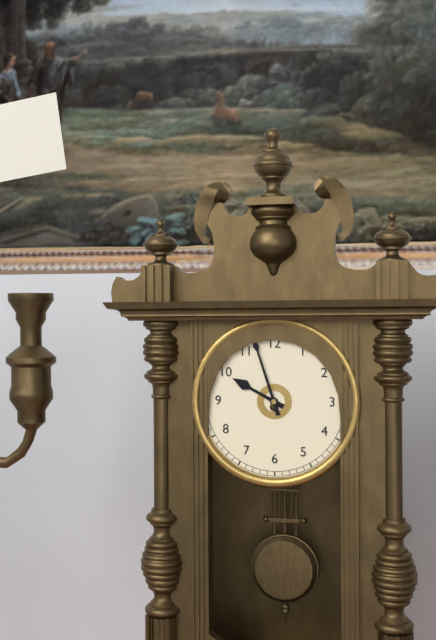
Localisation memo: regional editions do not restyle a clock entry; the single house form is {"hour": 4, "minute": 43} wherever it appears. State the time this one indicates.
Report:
{"hour": 9, "minute": 57}
